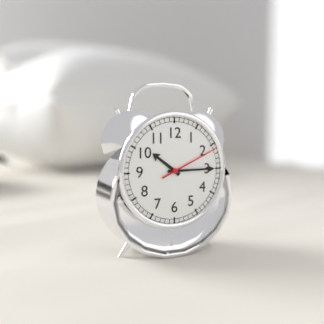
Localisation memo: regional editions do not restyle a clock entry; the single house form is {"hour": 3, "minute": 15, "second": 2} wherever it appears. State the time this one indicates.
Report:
{"hour": 10, "minute": 15, "second": 11}
